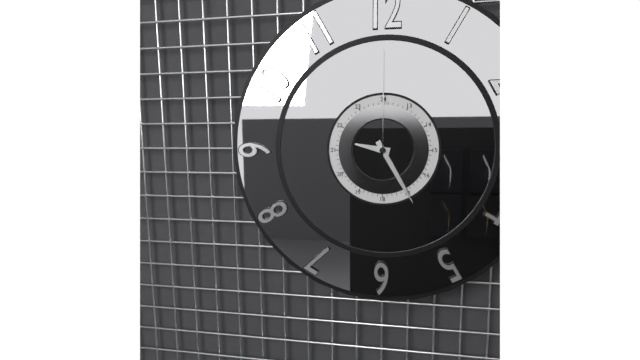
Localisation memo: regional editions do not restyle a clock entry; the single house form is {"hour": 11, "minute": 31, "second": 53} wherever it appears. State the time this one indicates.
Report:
{"hour": 9, "minute": 25, "second": 0}
